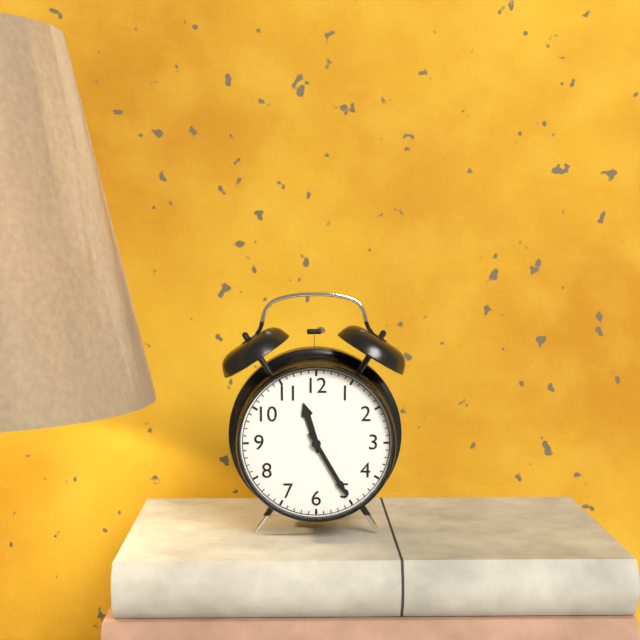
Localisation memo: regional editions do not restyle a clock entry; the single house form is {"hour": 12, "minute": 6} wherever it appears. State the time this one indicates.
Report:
{"hour": 11, "minute": 25}
